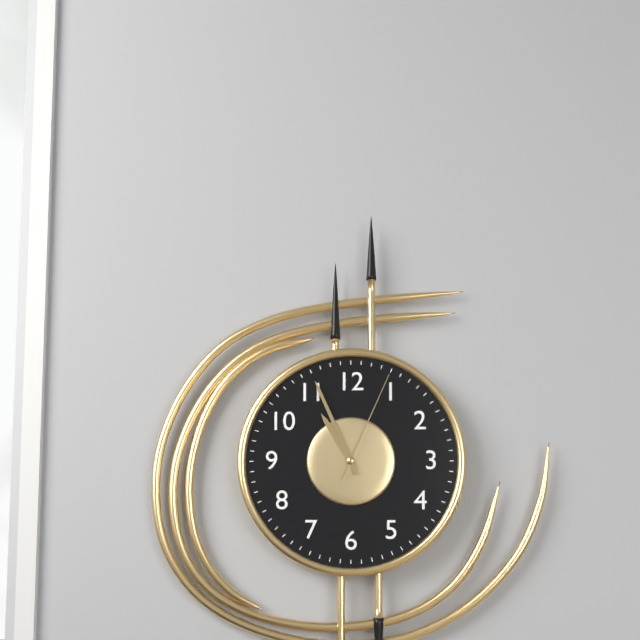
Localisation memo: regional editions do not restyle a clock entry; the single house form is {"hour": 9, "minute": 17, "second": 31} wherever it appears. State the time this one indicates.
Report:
{"hour": 10, "minute": 56, "second": 4}
